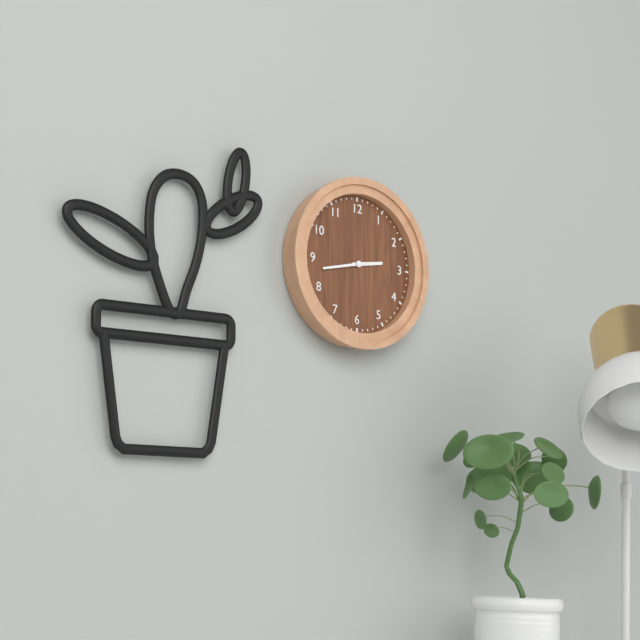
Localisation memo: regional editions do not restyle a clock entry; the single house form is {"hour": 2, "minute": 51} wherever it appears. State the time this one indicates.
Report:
{"hour": 2, "minute": 43}
